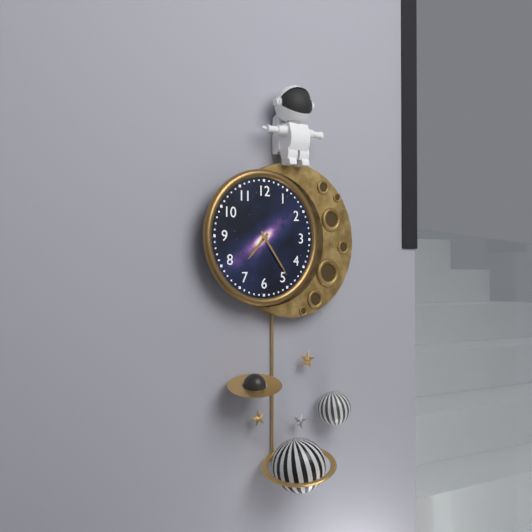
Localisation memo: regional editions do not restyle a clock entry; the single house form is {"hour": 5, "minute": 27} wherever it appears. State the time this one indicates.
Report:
{"hour": 7, "minute": 24}
